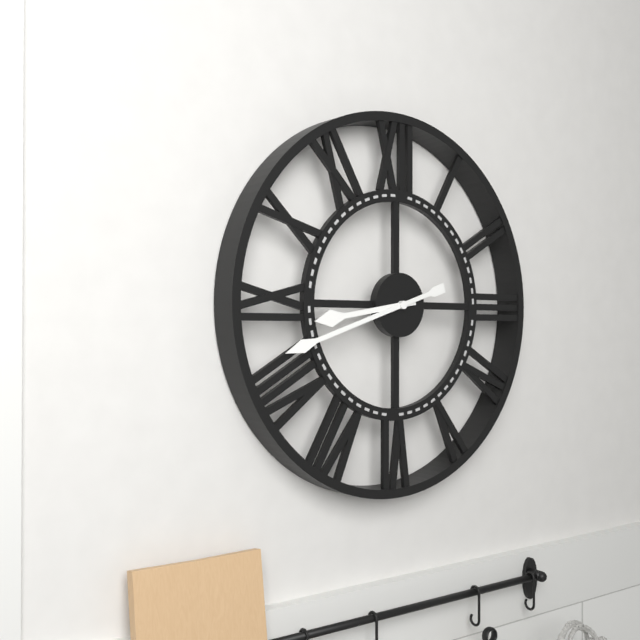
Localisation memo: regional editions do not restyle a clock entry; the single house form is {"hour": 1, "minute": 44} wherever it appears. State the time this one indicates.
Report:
{"hour": 8, "minute": 42}
